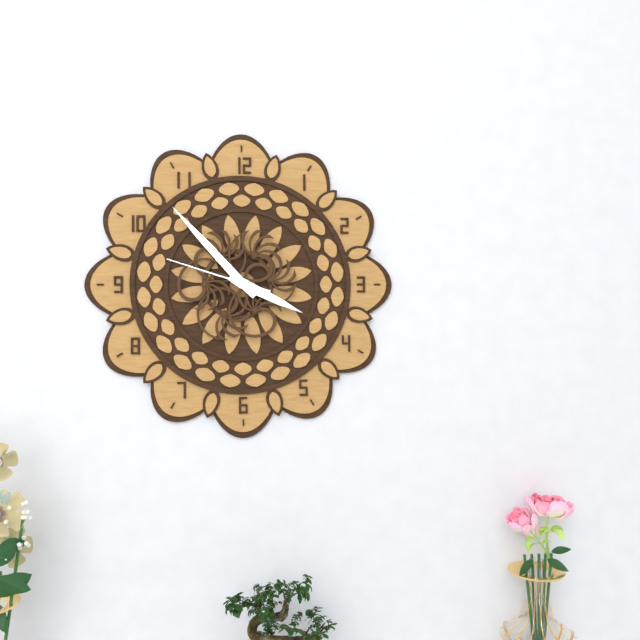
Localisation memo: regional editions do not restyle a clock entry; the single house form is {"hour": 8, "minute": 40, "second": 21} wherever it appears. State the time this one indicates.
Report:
{"hour": 3, "minute": 53, "second": 48}
